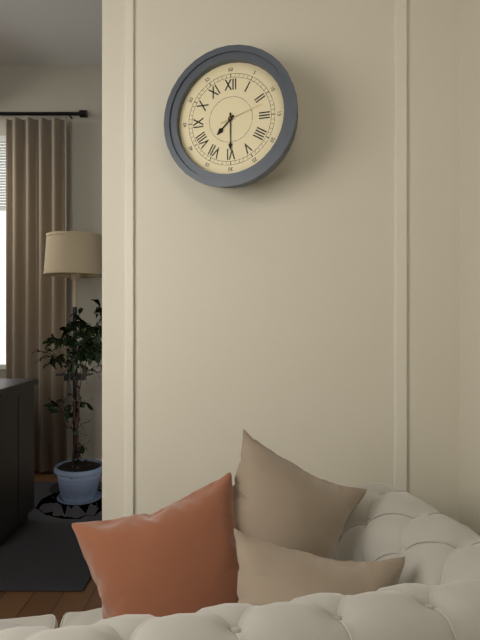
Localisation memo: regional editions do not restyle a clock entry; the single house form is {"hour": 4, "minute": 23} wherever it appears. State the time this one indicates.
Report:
{"hour": 7, "minute": 30}
